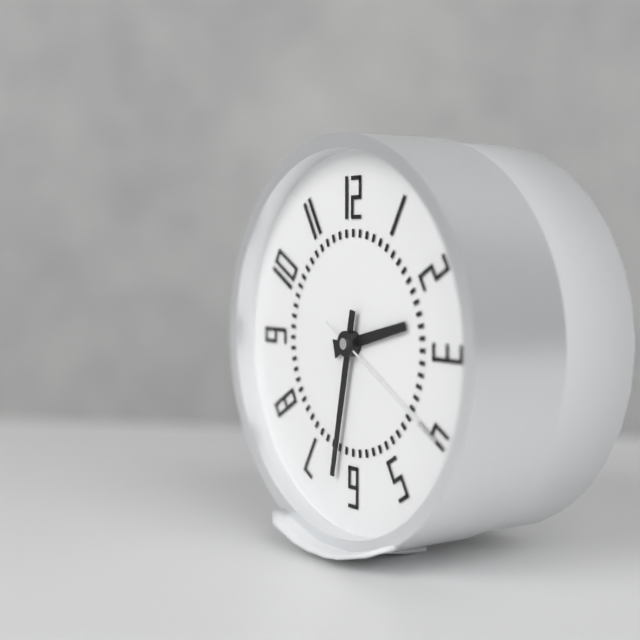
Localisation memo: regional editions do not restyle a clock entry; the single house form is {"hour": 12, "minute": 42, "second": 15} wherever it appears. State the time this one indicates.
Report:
{"hour": 2, "minute": 32, "second": 20}
